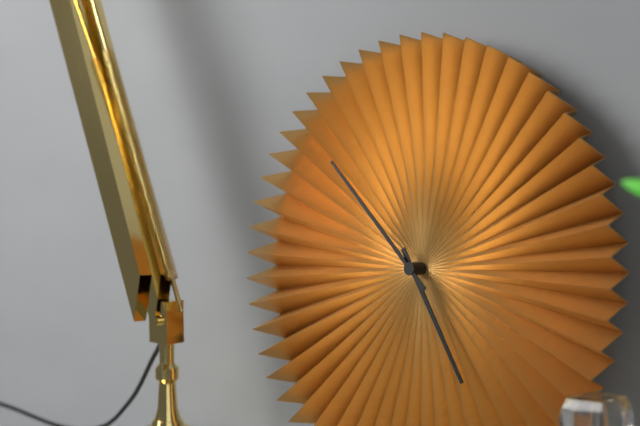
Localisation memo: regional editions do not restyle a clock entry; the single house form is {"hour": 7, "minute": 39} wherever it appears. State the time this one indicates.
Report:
{"hour": 4, "minute": 52}
